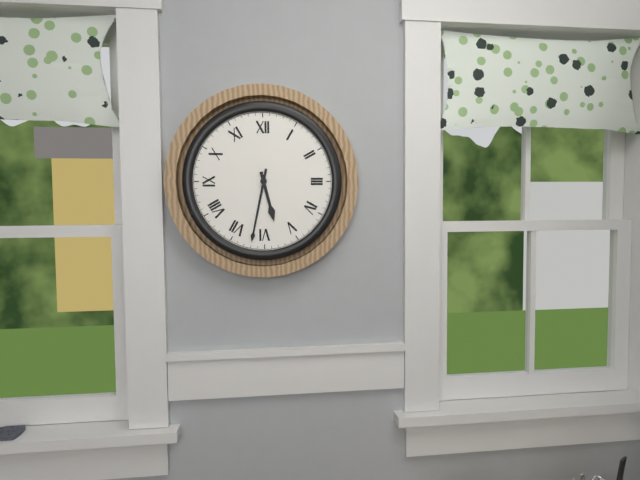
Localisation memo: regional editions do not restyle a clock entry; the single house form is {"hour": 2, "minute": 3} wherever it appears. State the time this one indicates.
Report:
{"hour": 5, "minute": 32}
